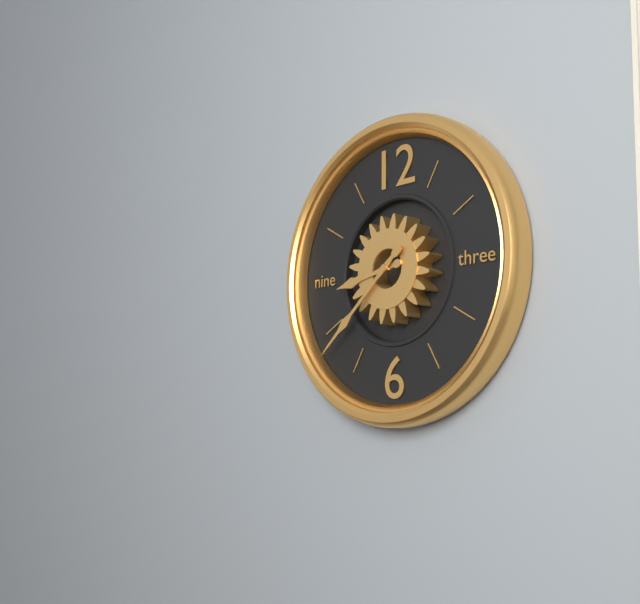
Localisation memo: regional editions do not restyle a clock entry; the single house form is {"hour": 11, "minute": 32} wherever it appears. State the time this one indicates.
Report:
{"hour": 8, "minute": 38}
